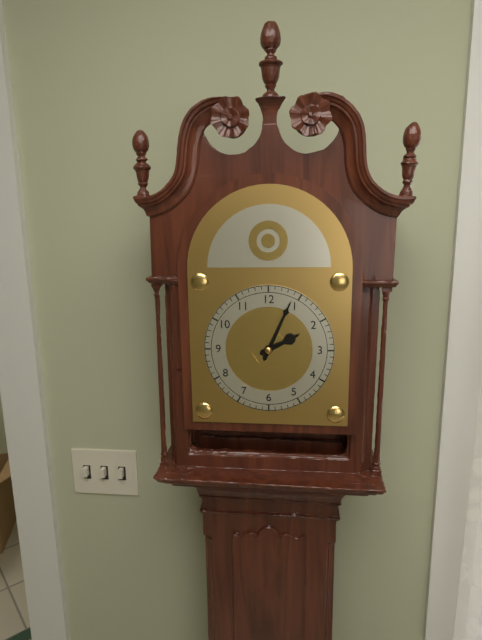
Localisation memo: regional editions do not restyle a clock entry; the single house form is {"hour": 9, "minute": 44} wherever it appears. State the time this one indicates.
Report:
{"hour": 2, "minute": 4}
